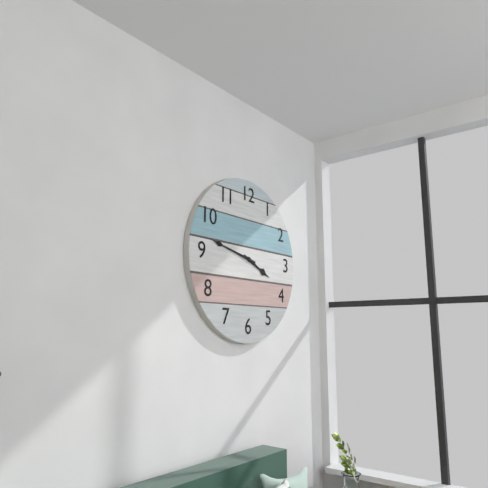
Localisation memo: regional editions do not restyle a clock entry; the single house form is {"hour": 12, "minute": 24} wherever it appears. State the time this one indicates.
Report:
{"hour": 3, "minute": 47}
